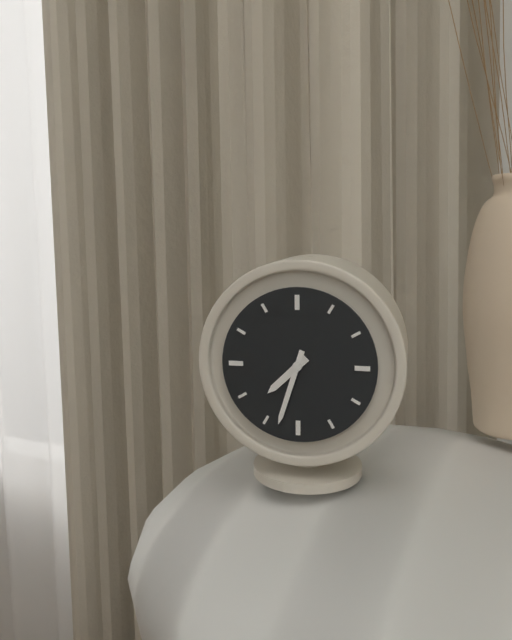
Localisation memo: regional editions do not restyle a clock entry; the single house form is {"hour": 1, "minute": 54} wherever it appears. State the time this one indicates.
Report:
{"hour": 7, "minute": 33}
